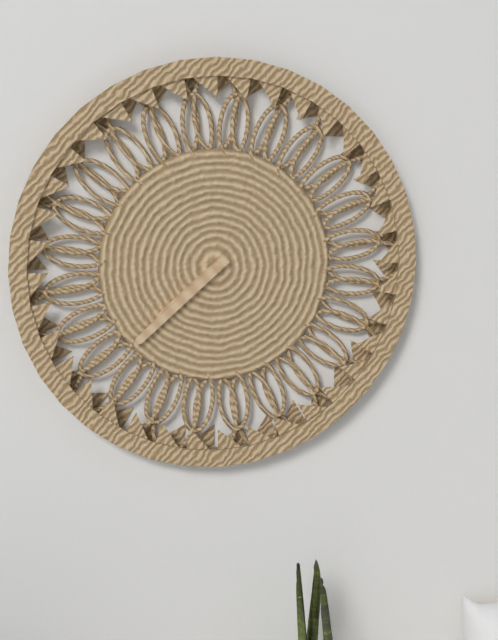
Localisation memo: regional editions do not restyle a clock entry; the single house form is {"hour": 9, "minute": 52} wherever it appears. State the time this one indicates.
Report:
{"hour": 7, "minute": 38}
